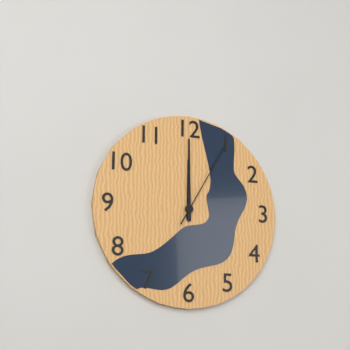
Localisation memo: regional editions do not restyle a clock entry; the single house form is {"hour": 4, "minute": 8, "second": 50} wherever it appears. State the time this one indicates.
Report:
{"hour": 12, "minute": 0, "second": 5}
